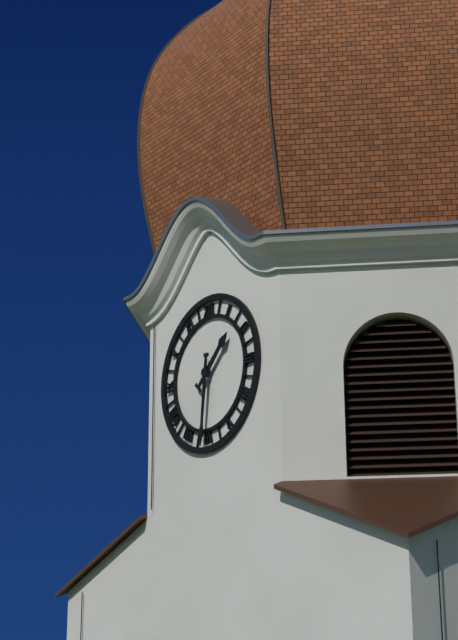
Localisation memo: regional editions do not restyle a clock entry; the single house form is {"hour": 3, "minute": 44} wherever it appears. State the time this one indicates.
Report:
{"hour": 1, "minute": 31}
